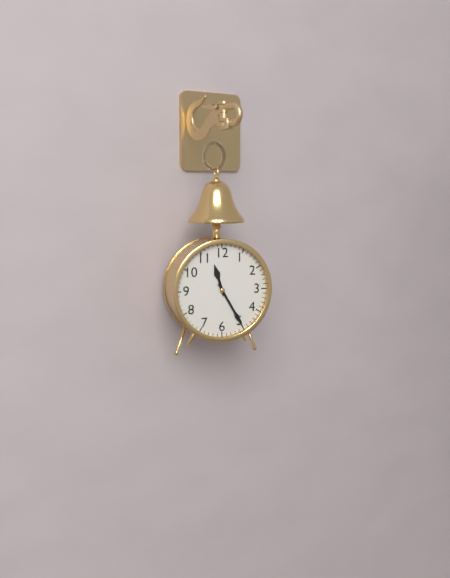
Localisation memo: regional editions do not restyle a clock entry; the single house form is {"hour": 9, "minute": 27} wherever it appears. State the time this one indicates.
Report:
{"hour": 11, "minute": 25}
